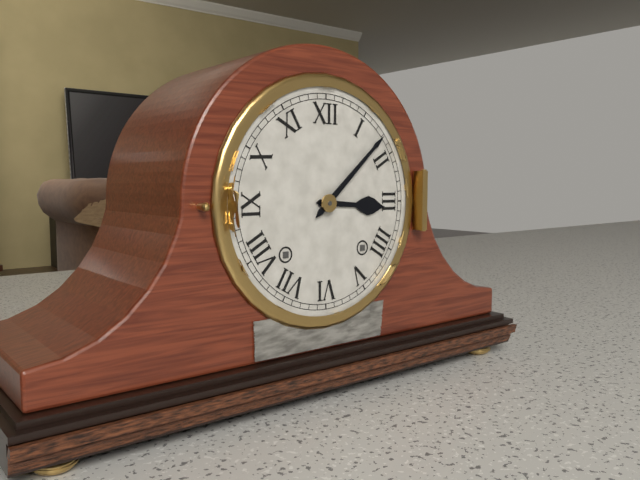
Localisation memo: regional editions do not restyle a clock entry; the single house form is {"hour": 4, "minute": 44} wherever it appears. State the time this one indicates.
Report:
{"hour": 3, "minute": 8}
